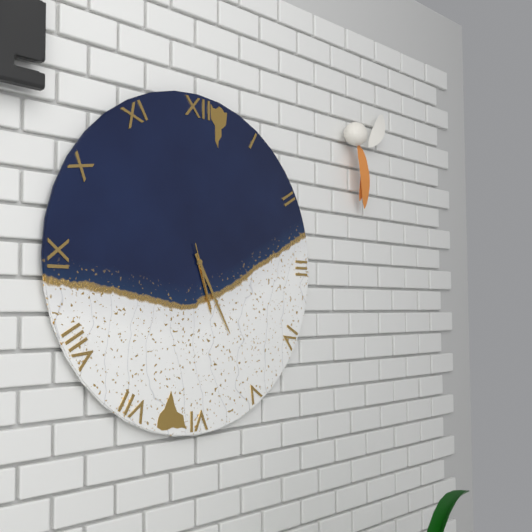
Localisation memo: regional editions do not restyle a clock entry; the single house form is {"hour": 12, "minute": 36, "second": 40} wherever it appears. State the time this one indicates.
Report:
{"hour": 5, "minute": 25, "second": 27}
